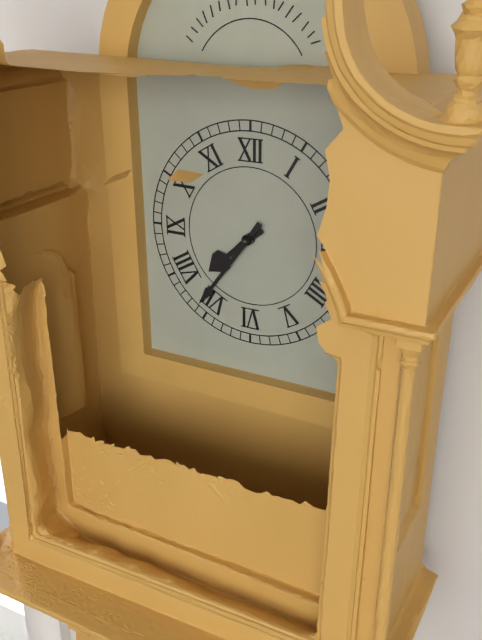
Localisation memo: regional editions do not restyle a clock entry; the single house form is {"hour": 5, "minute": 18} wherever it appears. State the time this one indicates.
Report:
{"hour": 7, "minute": 36}
